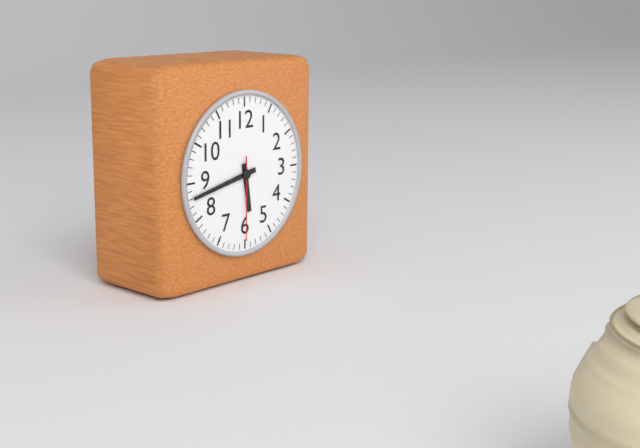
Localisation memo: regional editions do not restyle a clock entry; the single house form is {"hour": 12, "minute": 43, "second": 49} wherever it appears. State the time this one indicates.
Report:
{"hour": 5, "minute": 43, "second": 30}
